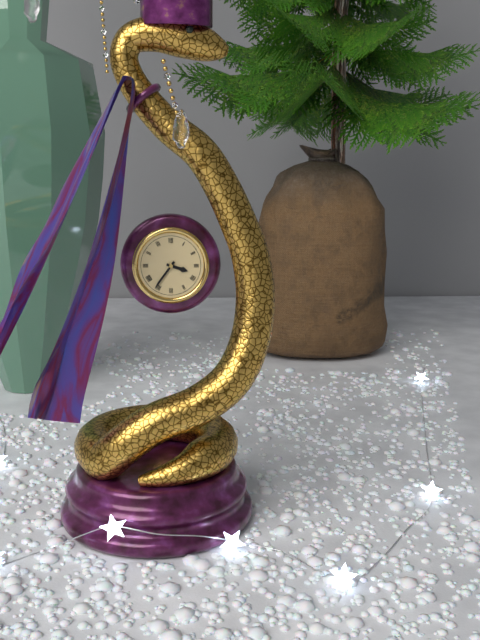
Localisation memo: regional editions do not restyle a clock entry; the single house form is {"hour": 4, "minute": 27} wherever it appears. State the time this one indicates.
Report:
{"hour": 3, "minute": 36}
